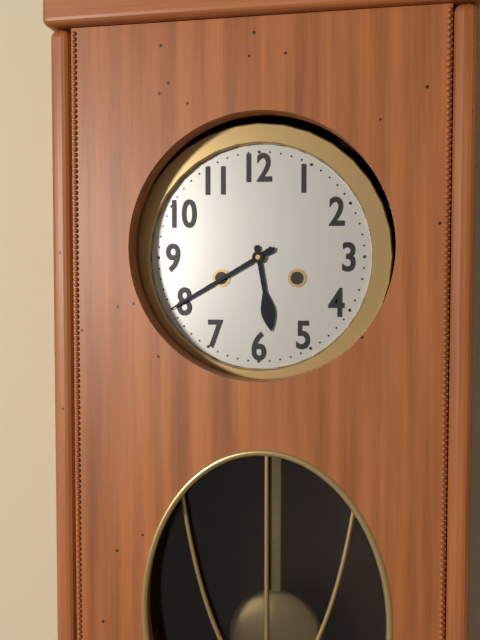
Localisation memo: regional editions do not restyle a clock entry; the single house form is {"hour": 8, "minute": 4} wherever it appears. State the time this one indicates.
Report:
{"hour": 5, "minute": 40}
